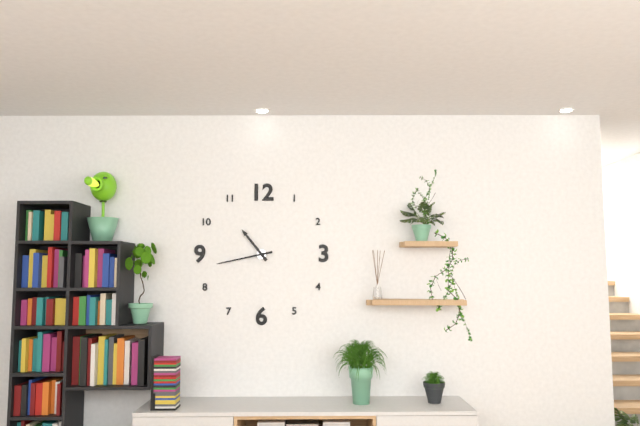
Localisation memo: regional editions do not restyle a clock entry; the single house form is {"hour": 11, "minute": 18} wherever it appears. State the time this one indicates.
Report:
{"hour": 10, "minute": 43}
